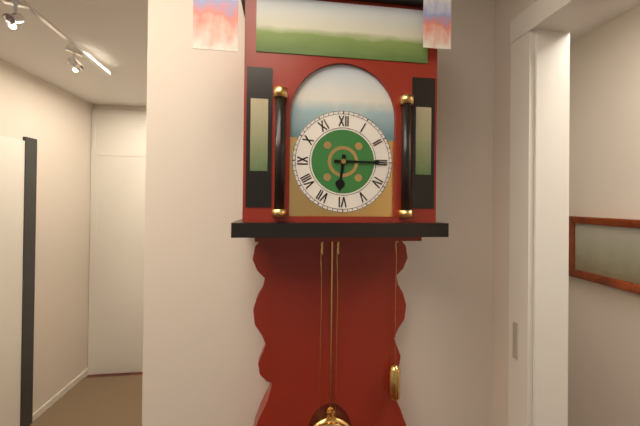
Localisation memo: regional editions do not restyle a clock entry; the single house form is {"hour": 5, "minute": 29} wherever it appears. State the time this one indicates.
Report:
{"hour": 6, "minute": 15}
